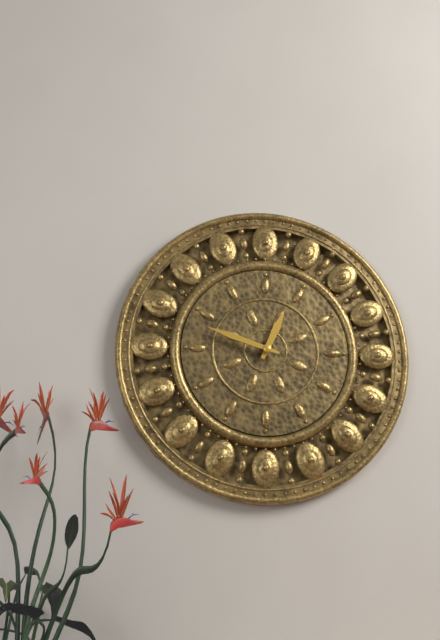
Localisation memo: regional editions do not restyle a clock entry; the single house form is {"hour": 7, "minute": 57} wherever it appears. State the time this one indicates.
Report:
{"hour": 12, "minute": 48}
